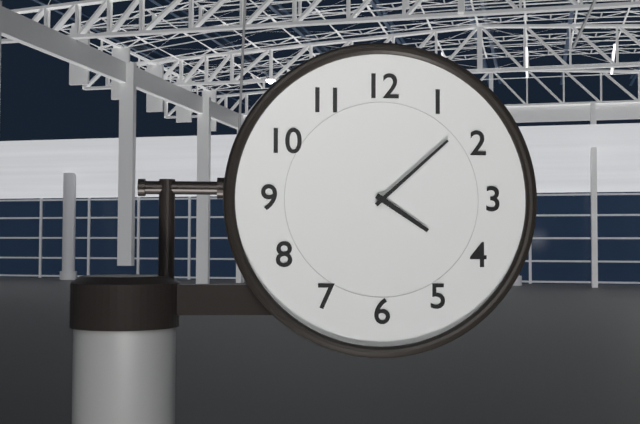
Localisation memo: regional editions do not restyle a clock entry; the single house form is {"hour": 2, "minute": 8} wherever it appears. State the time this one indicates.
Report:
{"hour": 4, "minute": 8}
